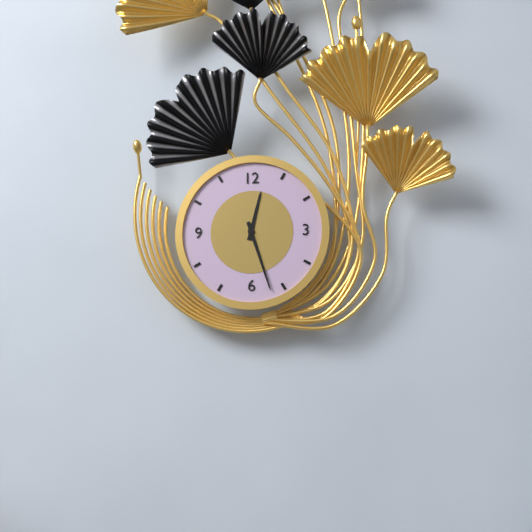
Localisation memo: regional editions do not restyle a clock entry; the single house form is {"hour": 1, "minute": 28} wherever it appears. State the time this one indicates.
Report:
{"hour": 12, "minute": 27}
